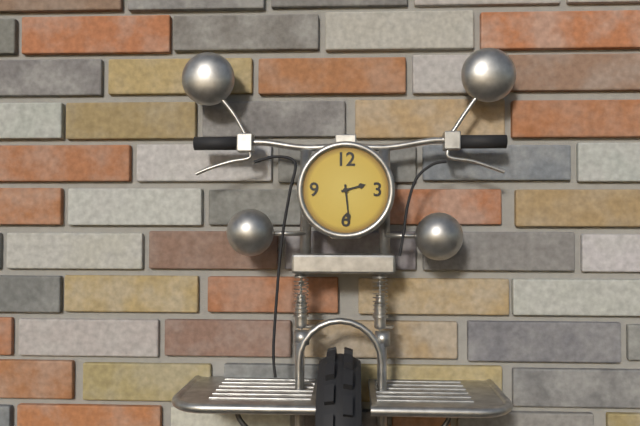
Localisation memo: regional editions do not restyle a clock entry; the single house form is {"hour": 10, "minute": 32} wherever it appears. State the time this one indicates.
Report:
{"hour": 2, "minute": 29}
